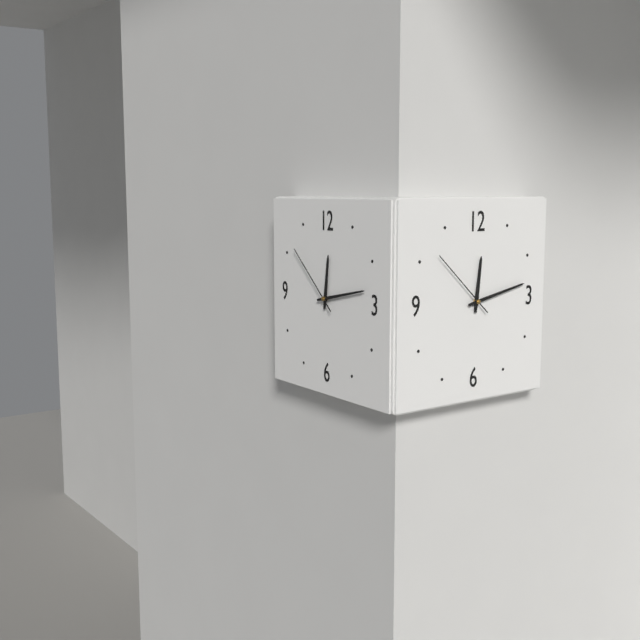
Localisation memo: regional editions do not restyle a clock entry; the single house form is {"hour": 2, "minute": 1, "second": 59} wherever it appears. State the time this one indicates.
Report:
{"hour": 12, "minute": 13, "second": 52}
